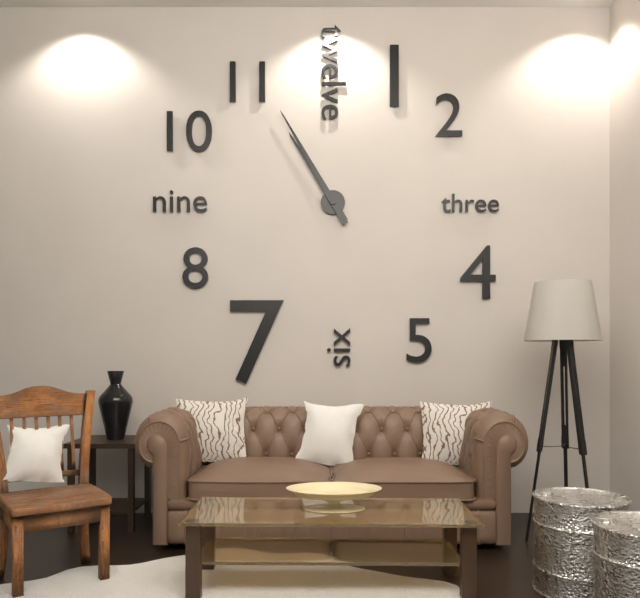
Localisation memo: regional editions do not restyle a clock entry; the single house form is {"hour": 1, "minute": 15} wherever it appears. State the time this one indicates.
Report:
{"hour": 10, "minute": 55}
